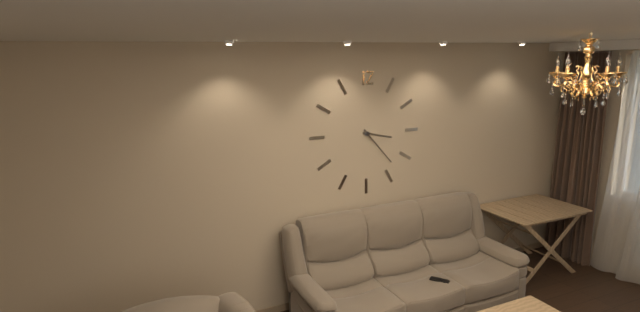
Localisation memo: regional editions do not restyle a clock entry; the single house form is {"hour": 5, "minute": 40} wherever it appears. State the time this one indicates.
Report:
{"hour": 3, "minute": 23}
